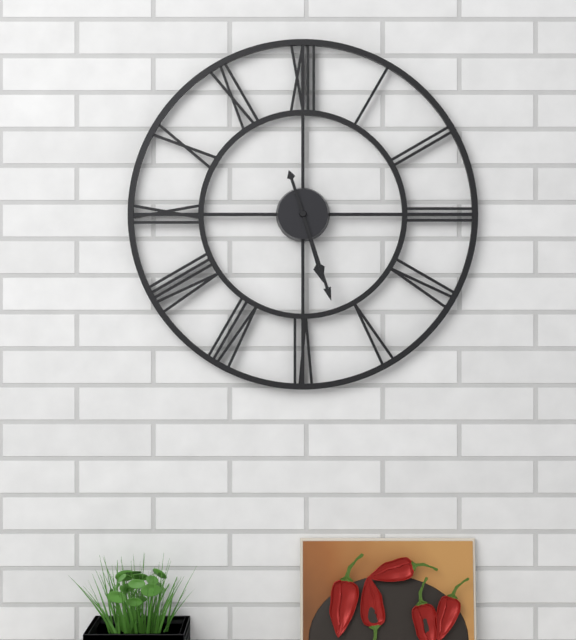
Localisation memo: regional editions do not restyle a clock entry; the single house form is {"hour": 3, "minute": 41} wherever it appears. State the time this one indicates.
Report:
{"hour": 5, "minute": 27}
